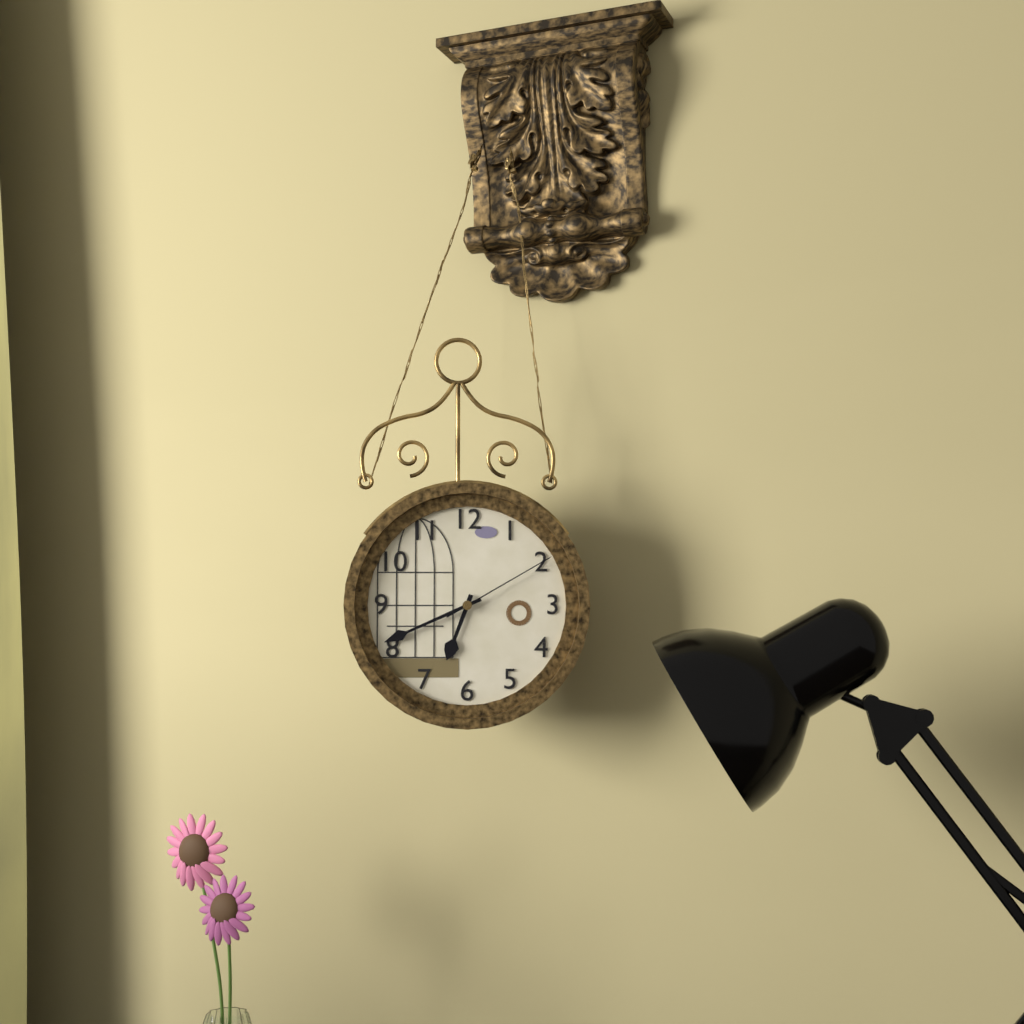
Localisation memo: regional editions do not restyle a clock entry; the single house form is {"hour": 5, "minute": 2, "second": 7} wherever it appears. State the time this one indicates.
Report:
{"hour": 6, "minute": 41, "second": 10}
